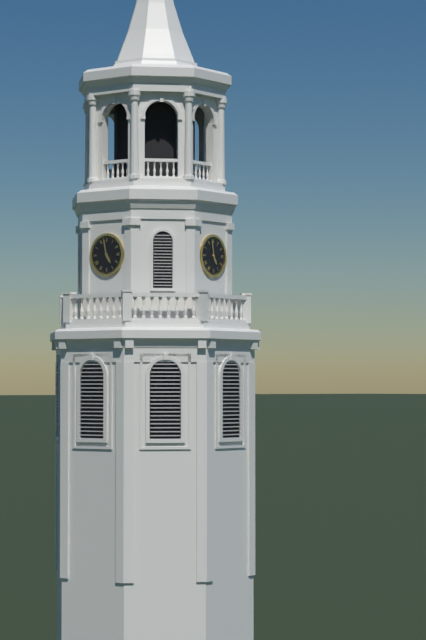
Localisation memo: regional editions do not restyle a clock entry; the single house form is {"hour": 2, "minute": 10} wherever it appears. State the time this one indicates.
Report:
{"hour": 4, "minute": 58}
